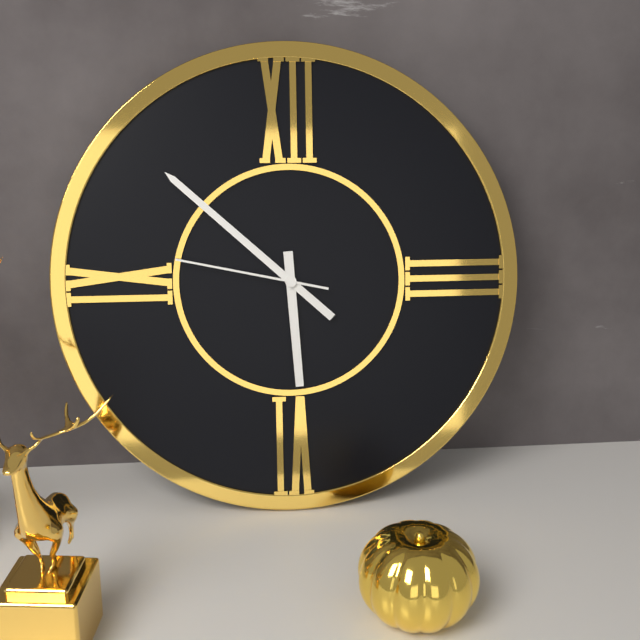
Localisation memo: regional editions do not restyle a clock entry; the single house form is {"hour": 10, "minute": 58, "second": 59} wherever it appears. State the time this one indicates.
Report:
{"hour": 5, "minute": 52, "second": 47}
